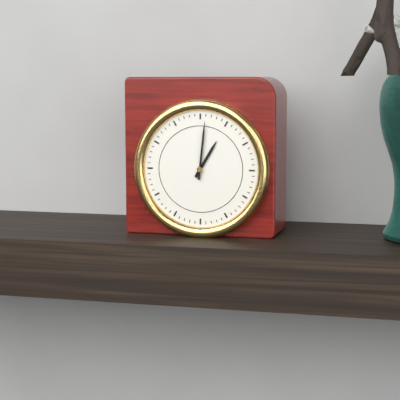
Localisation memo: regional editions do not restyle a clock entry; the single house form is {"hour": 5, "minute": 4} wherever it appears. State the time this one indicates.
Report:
{"hour": 1, "minute": 1}
